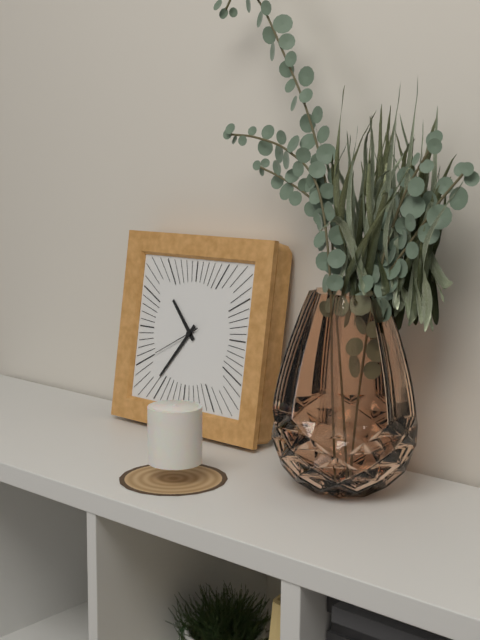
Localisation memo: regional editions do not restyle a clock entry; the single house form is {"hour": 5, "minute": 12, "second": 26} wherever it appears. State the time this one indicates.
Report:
{"hour": 10, "minute": 36, "second": 40}
